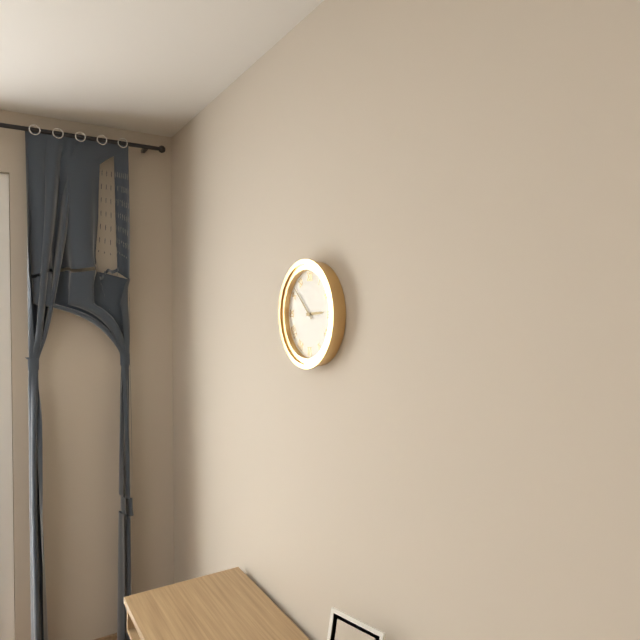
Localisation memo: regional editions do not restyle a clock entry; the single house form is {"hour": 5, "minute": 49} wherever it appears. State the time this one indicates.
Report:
{"hour": 2, "minute": 52}
